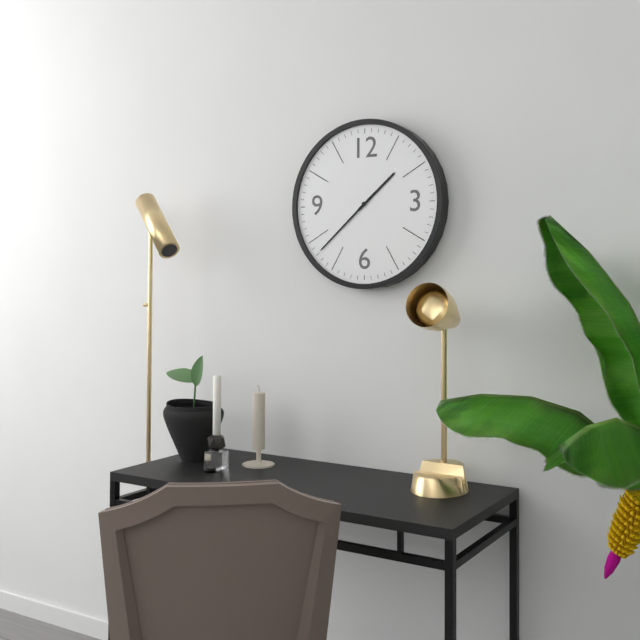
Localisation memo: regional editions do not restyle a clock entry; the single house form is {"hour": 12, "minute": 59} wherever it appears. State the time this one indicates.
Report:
{"hour": 1, "minute": 38}
